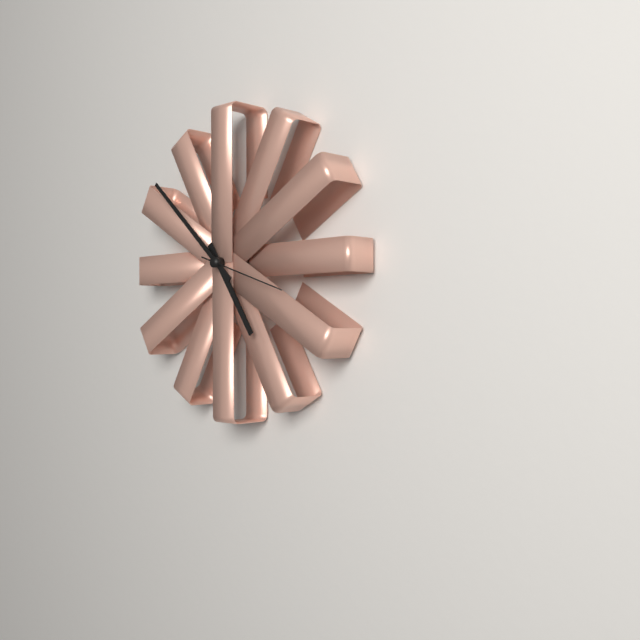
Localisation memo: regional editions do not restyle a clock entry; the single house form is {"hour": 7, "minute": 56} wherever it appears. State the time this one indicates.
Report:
{"hour": 4, "minute": 52}
